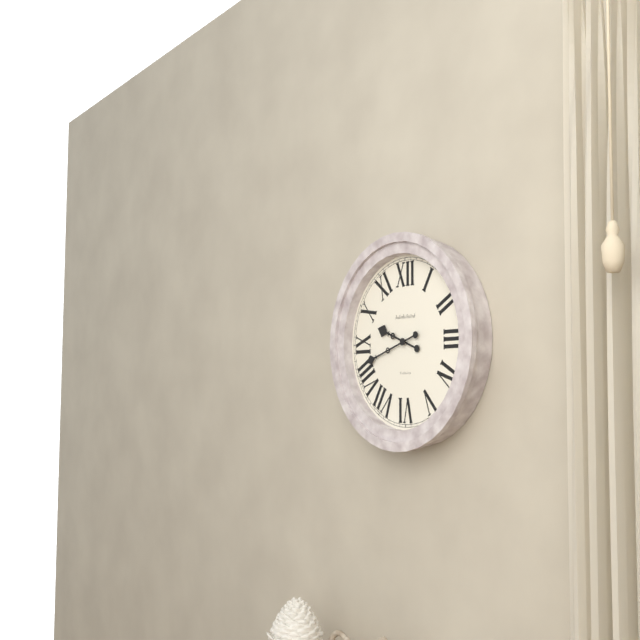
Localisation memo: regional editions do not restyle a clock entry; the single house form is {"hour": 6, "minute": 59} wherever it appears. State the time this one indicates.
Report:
{"hour": 9, "minute": 42}
